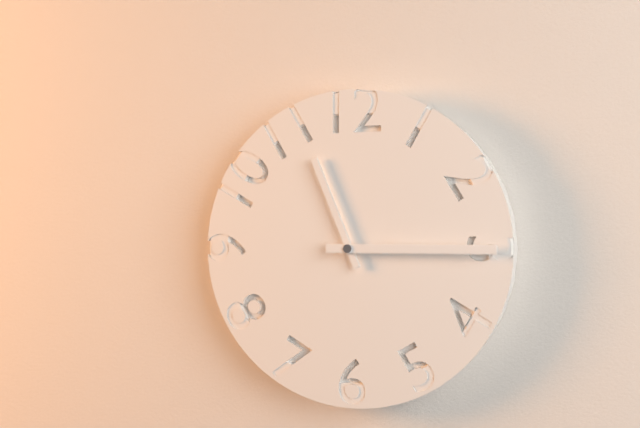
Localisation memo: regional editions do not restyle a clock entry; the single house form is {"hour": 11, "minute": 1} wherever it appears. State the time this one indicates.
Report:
{"hour": 11, "minute": 15}
